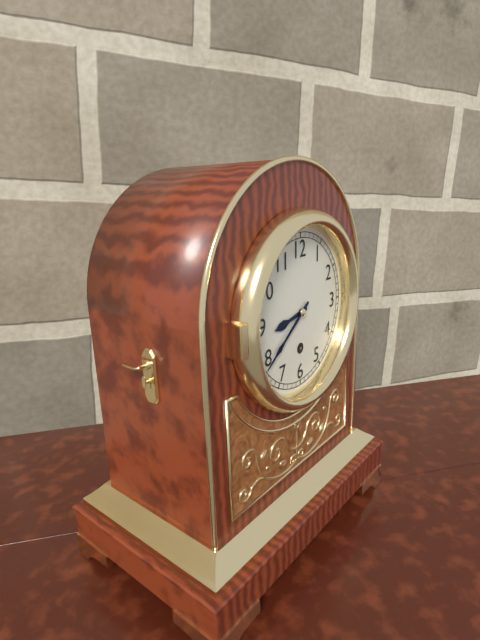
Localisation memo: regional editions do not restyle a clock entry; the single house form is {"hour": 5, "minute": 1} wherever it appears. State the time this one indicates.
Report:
{"hour": 8, "minute": 39}
